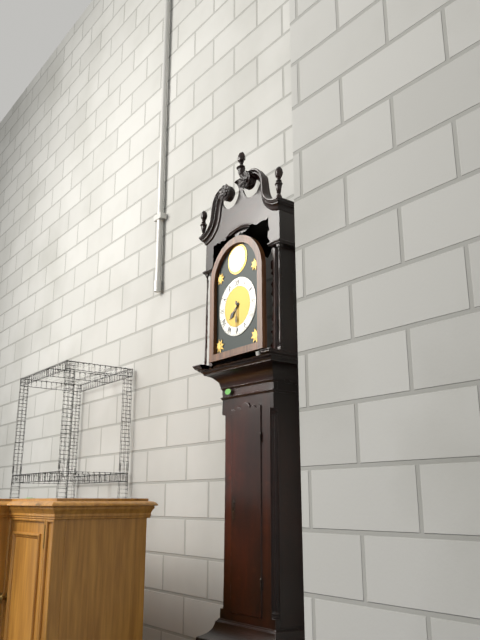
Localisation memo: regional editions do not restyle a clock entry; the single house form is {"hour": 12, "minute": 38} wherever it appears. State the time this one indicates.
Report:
{"hour": 7, "minute": 30}
